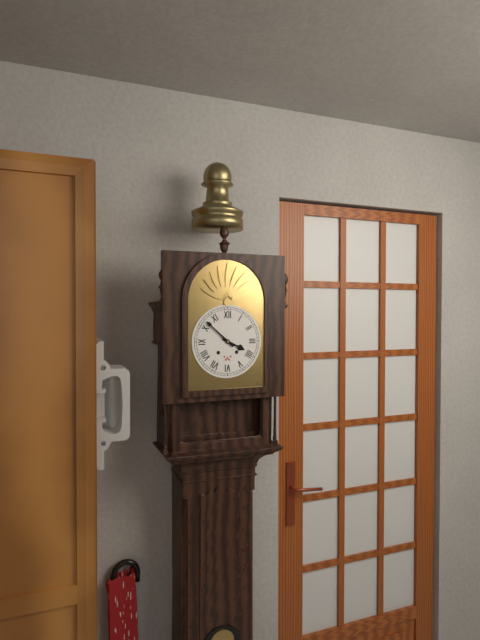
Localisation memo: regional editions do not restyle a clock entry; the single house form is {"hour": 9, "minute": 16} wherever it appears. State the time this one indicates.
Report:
{"hour": 3, "minute": 52}
